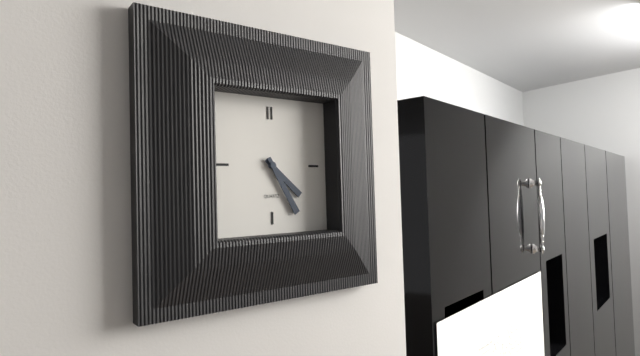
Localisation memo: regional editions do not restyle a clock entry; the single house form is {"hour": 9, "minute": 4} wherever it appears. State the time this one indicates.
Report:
{"hour": 4, "minute": 25}
